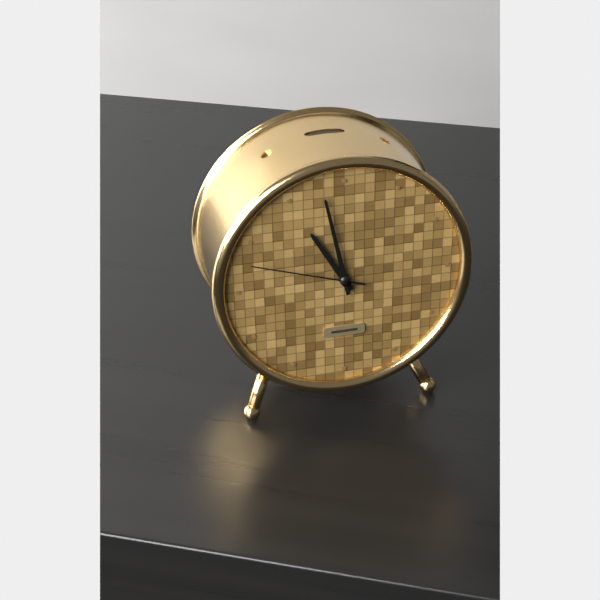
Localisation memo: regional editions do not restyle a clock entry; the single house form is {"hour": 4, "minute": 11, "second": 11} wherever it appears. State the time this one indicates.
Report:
{"hour": 10, "minute": 58, "second": 48}
